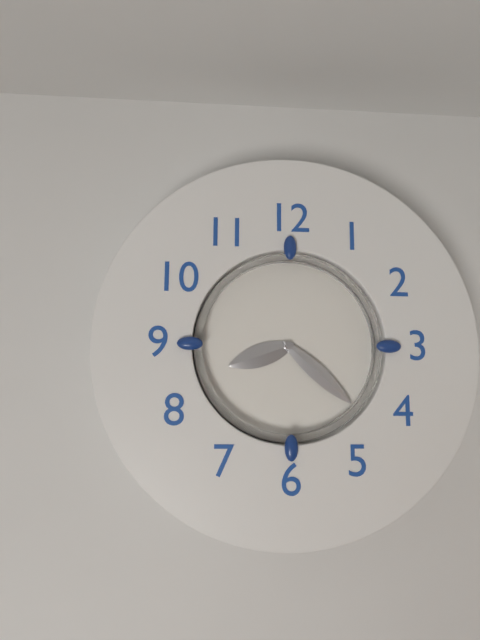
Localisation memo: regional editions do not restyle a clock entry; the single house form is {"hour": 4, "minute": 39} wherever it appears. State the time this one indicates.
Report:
{"hour": 8, "minute": 22}
